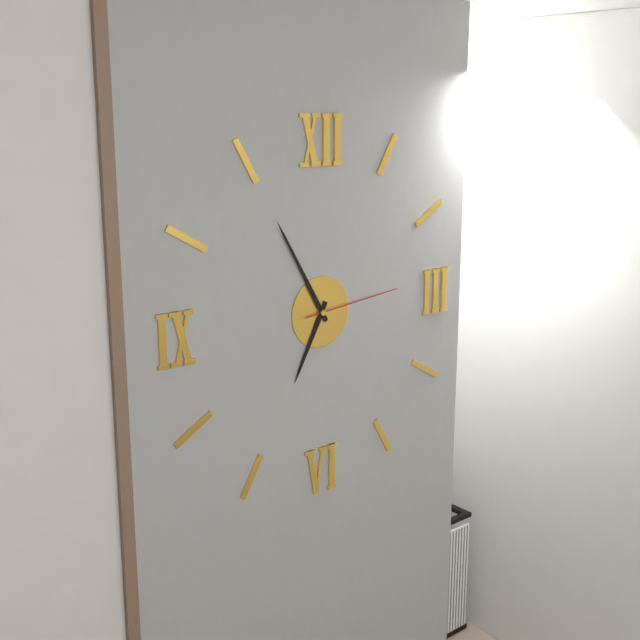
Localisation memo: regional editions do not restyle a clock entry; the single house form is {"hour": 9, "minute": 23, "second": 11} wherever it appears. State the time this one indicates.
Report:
{"hour": 6, "minute": 55, "second": 14}
